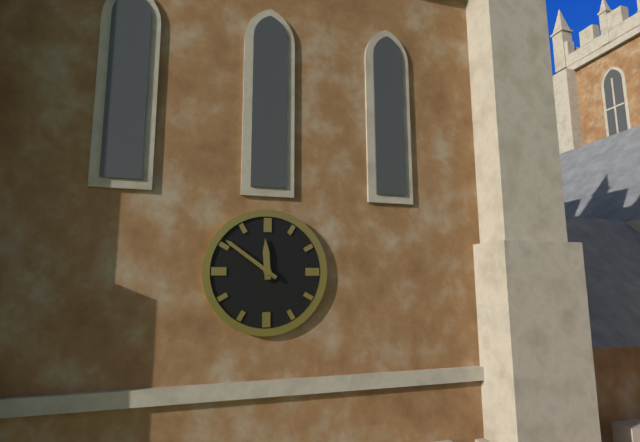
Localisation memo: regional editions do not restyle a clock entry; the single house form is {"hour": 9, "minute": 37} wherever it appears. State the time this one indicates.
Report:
{"hour": 11, "minute": 51}
